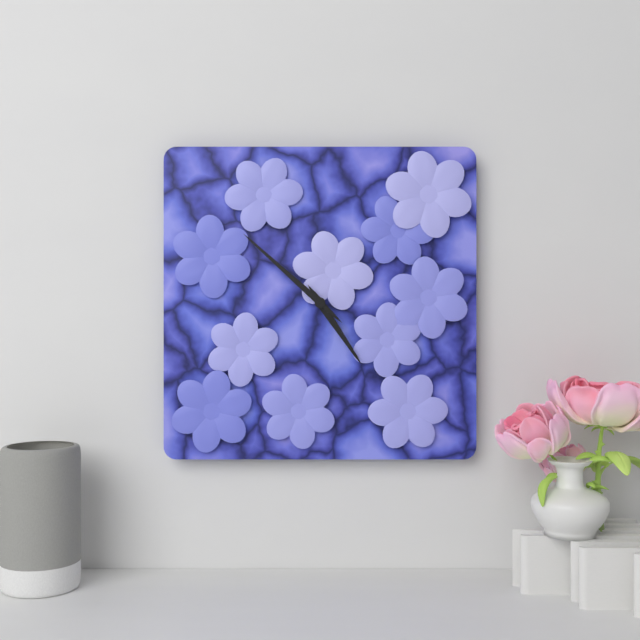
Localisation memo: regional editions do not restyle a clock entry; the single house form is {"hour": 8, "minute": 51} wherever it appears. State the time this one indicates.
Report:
{"hour": 4, "minute": 52}
